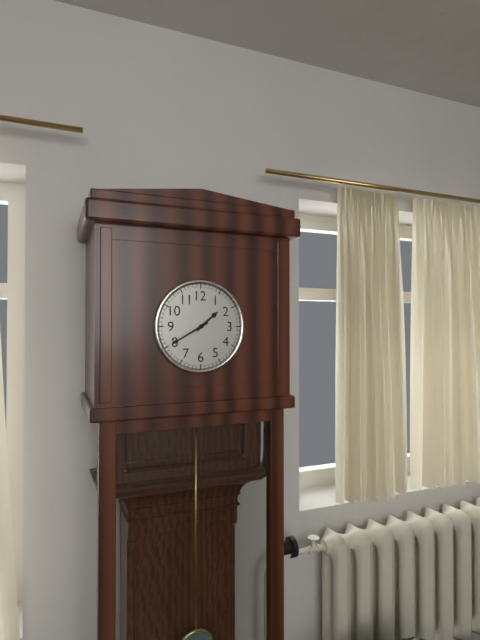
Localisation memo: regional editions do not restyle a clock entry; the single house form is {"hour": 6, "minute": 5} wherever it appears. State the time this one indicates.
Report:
{"hour": 1, "minute": 40}
